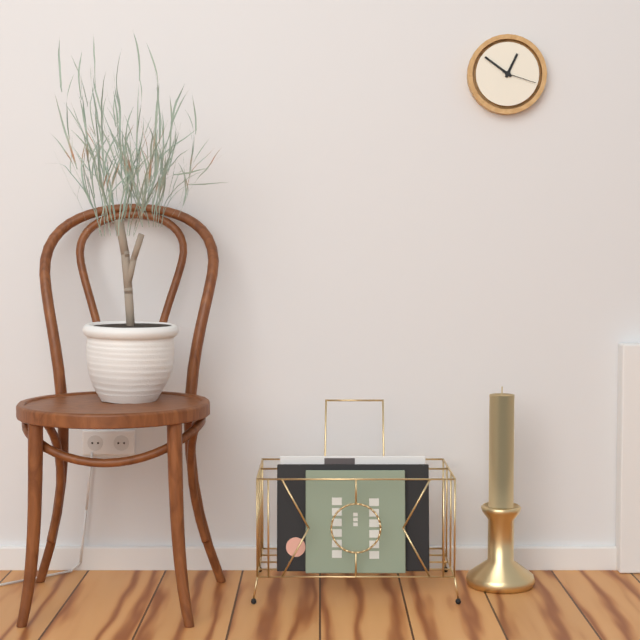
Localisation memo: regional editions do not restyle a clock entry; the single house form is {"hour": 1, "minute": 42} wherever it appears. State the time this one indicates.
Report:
{"hour": 12, "minute": 51}
